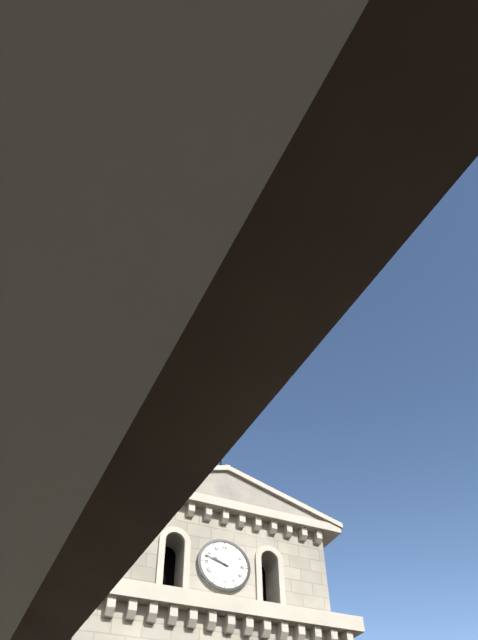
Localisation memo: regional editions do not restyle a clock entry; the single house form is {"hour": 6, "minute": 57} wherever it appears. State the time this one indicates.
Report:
{"hour": 9, "minute": 48}
